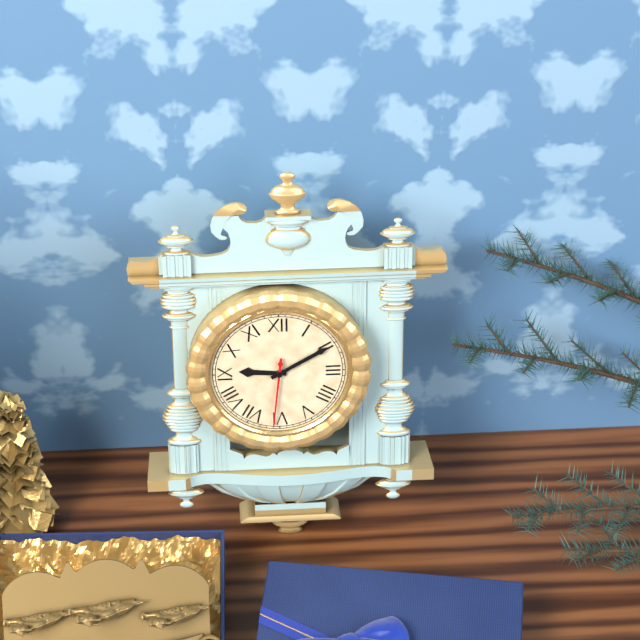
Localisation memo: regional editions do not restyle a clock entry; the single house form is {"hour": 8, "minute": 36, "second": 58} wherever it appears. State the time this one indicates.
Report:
{"hour": 9, "minute": 10, "second": 31}
